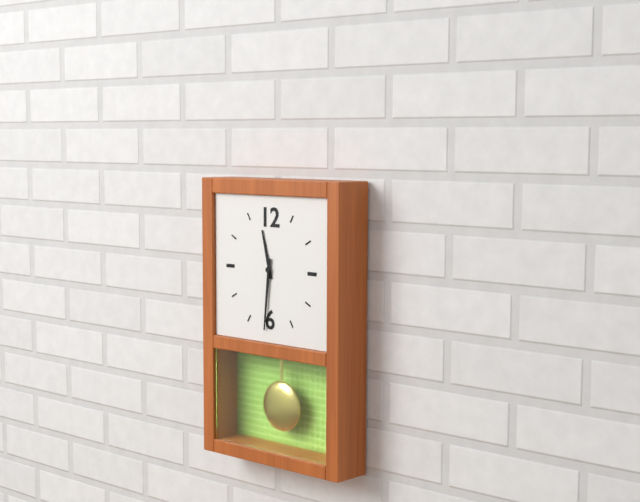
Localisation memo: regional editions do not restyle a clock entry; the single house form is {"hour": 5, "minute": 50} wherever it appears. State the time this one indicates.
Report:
{"hour": 11, "minute": 31}
